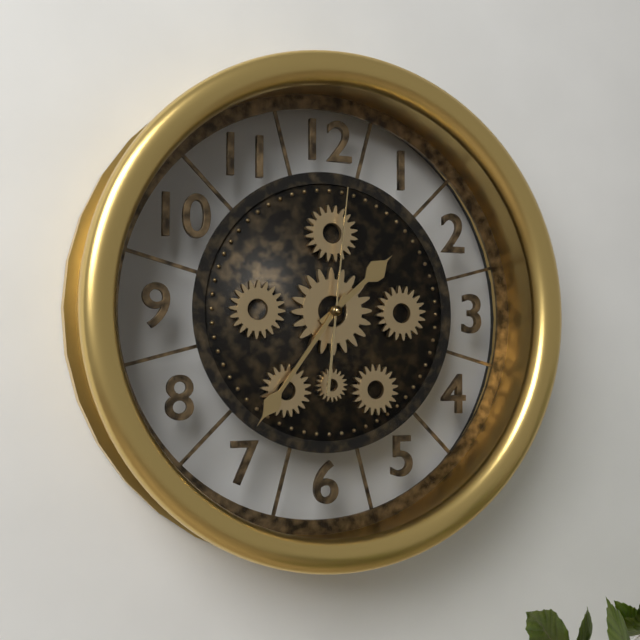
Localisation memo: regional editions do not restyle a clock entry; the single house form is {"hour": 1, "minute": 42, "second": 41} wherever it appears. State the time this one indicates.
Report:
{"hour": 1, "minute": 36, "second": 1}
